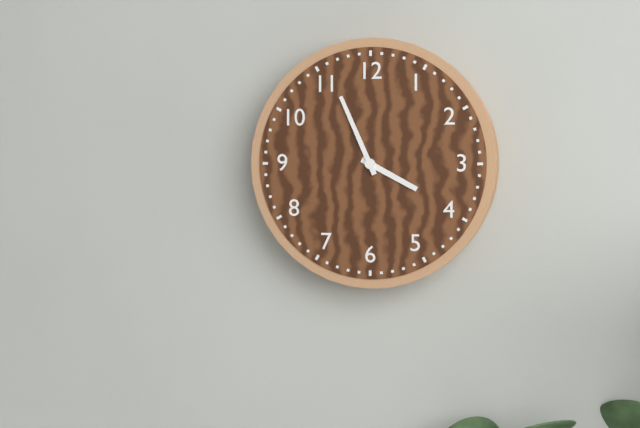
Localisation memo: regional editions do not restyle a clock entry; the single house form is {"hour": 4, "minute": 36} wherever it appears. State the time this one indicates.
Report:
{"hour": 3, "minute": 56}
